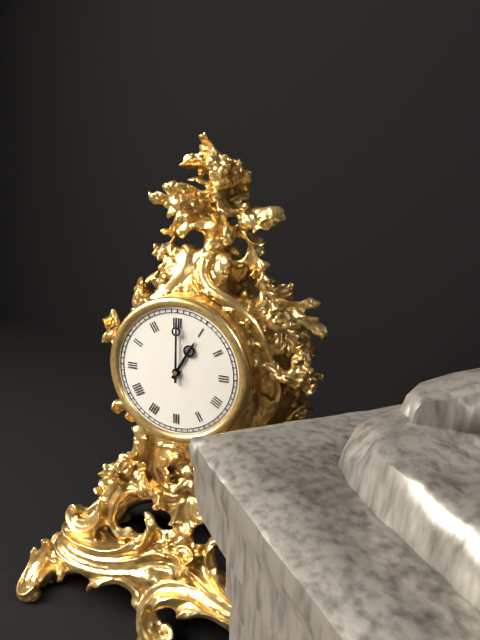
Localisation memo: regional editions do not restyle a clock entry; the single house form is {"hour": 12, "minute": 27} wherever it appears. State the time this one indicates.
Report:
{"hour": 1, "minute": 0}
